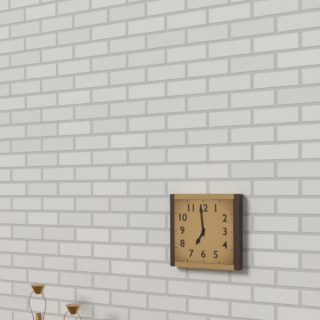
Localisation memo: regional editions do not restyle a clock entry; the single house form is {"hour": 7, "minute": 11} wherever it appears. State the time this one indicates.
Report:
{"hour": 6, "minute": 59}
